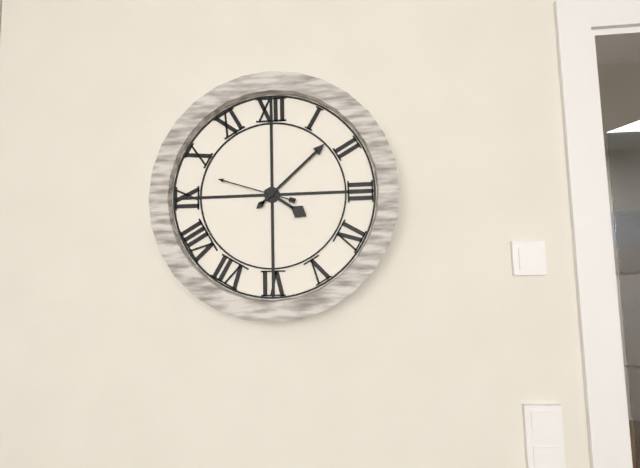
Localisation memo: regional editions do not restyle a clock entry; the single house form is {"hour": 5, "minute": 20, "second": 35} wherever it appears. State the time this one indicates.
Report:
{"hour": 4, "minute": 8, "second": 48}
